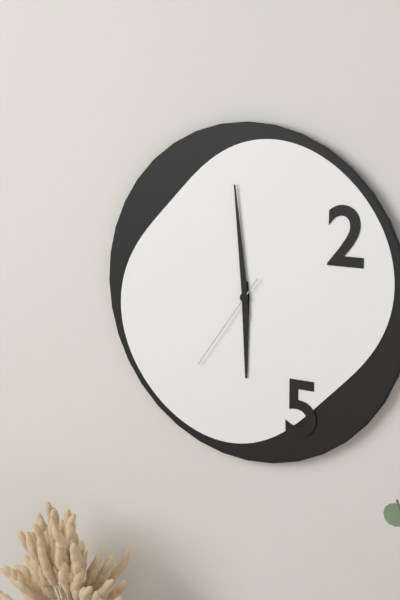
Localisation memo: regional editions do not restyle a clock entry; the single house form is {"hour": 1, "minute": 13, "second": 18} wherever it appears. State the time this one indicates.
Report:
{"hour": 5, "minute": 59, "second": 36}
